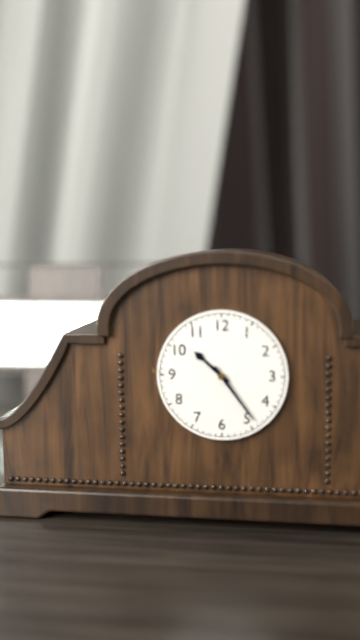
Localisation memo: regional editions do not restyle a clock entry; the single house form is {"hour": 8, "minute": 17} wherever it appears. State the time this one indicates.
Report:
{"hour": 10, "minute": 24}
